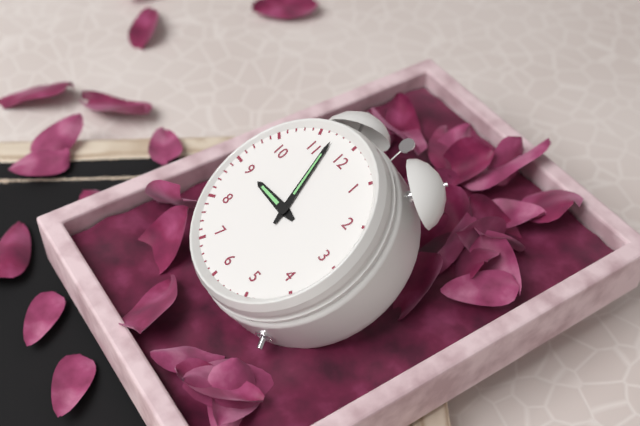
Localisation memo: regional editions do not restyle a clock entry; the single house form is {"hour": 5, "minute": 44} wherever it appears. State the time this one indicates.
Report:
{"hour": 8, "minute": 57}
